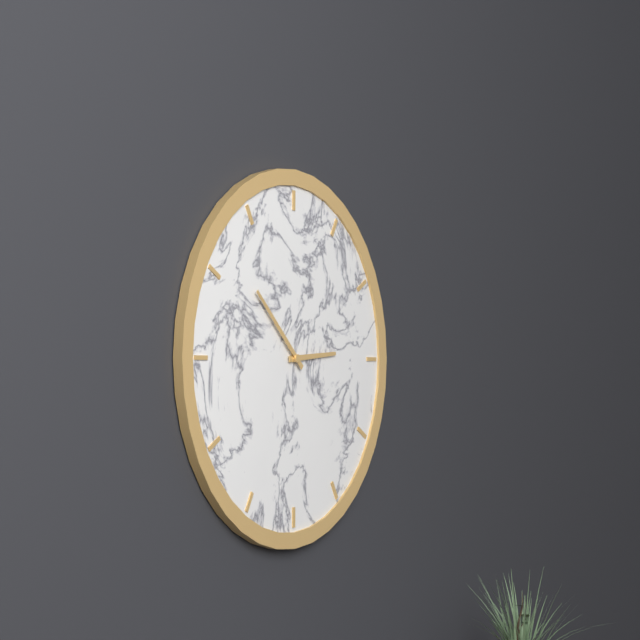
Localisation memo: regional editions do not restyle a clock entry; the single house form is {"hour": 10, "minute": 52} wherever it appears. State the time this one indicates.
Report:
{"hour": 2, "minute": 52}
